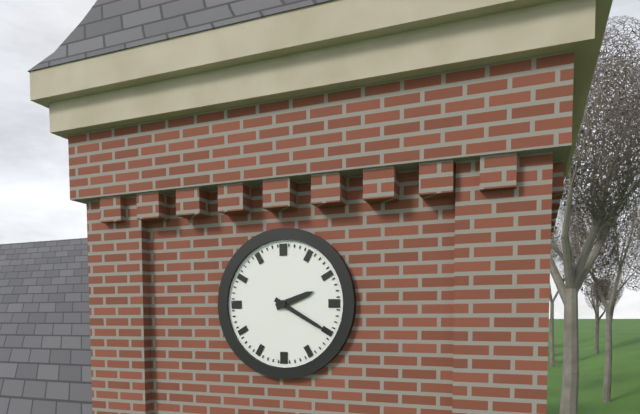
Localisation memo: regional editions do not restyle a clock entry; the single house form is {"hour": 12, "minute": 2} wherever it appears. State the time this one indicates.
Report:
{"hour": 2, "minute": 20}
